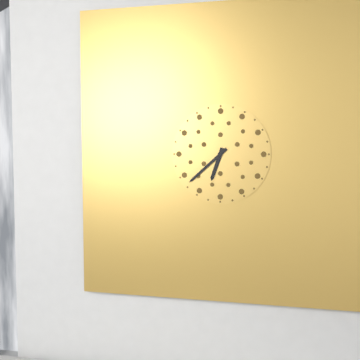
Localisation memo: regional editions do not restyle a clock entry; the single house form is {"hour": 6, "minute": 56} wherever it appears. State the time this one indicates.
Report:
{"hour": 6, "minute": 38}
